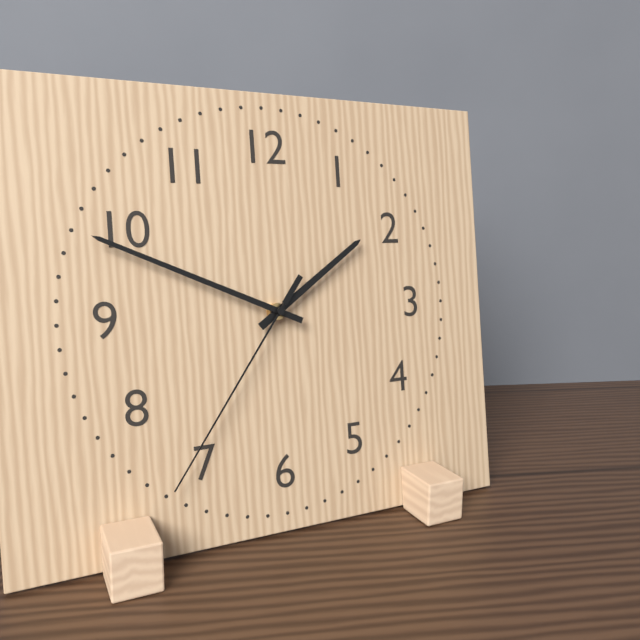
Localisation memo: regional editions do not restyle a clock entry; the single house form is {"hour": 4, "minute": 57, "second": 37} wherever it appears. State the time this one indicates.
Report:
{"hour": 1, "minute": 49, "second": 36}
